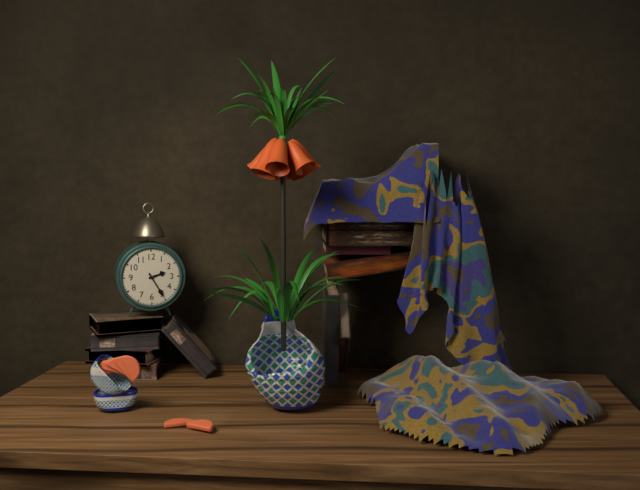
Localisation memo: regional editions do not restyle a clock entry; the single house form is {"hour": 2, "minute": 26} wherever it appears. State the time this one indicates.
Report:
{"hour": 2, "minute": 25}
